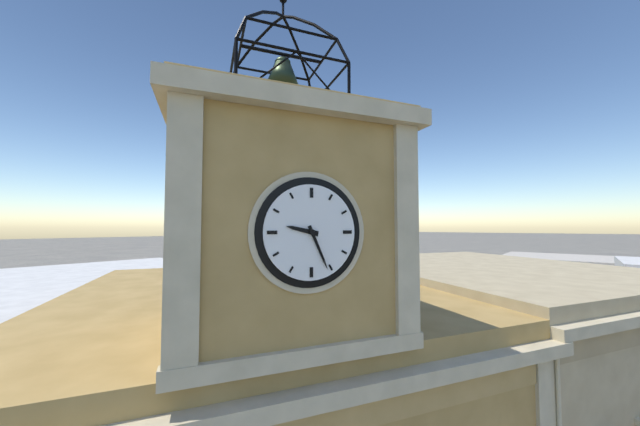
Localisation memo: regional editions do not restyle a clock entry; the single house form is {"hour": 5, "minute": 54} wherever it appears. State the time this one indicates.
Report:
{"hour": 9, "minute": 26}
